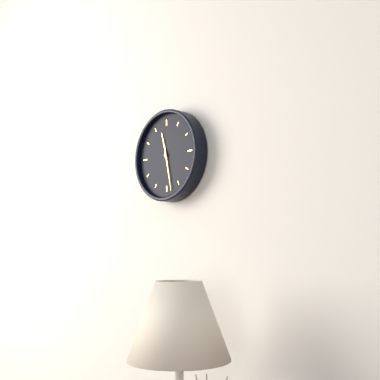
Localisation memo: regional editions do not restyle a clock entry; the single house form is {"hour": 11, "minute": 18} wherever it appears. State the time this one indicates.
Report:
{"hour": 11, "minute": 28}
